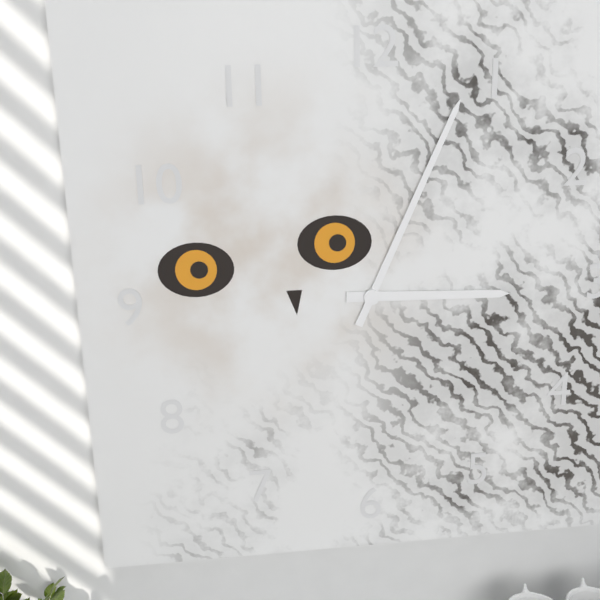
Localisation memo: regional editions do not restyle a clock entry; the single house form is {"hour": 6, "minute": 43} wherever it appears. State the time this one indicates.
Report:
{"hour": 3, "minute": 4}
